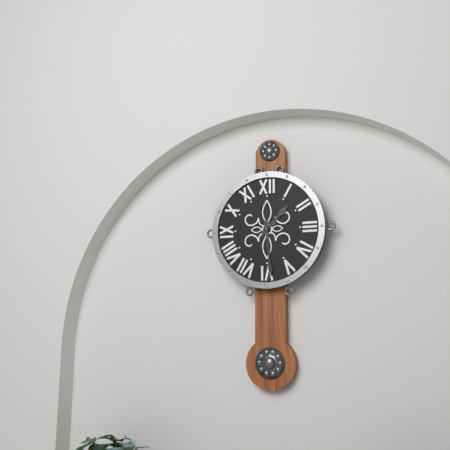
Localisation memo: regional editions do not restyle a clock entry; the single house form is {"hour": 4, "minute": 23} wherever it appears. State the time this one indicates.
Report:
{"hour": 1, "minute": 29}
